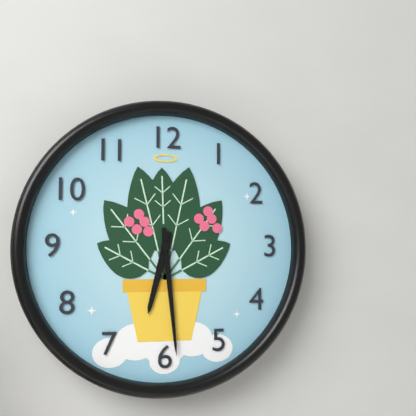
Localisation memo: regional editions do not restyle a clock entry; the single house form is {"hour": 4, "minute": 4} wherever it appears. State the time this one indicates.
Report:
{"hour": 6, "minute": 29}
